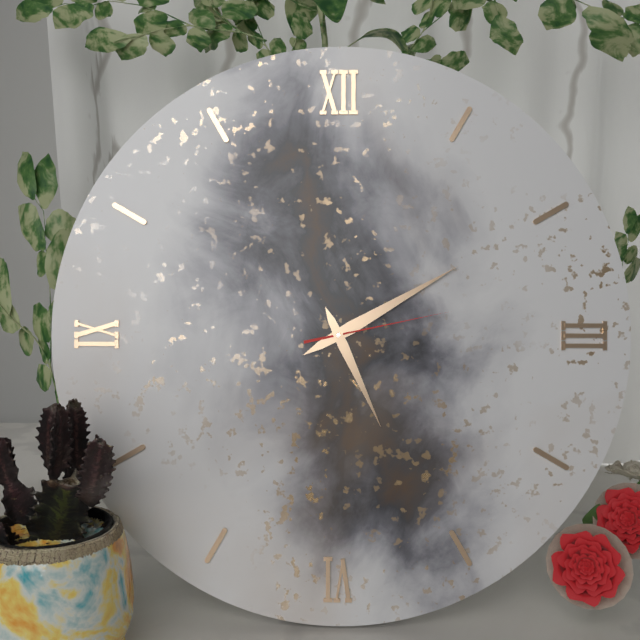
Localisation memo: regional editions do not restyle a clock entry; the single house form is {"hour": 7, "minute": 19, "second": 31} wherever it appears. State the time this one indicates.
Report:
{"hour": 5, "minute": 10, "second": 13}
